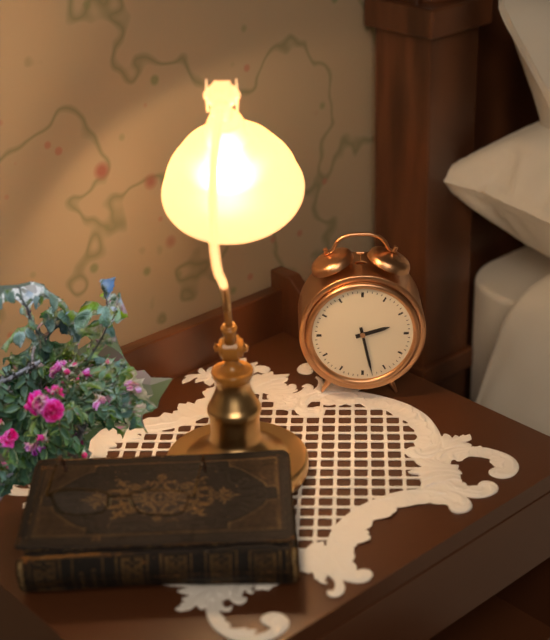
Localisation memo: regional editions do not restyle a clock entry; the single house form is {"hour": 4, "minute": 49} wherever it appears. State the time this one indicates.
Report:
{"hour": 2, "minute": 28}
